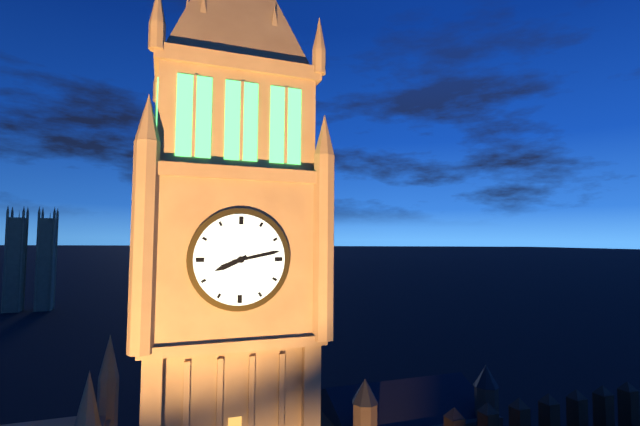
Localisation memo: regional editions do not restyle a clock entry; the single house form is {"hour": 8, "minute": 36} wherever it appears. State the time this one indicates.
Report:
{"hour": 8, "minute": 13}
